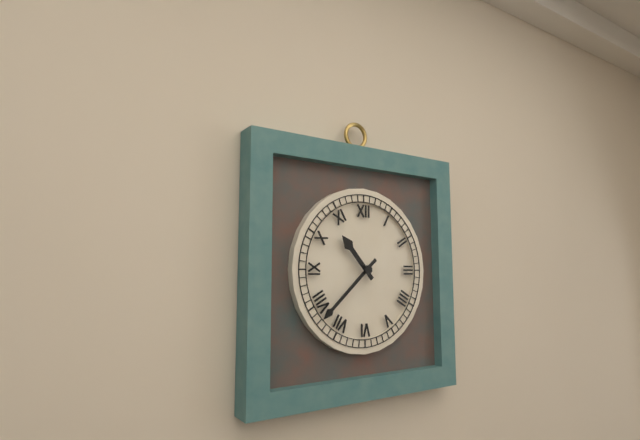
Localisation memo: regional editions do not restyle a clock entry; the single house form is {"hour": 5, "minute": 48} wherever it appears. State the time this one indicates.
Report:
{"hour": 10, "minute": 38}
